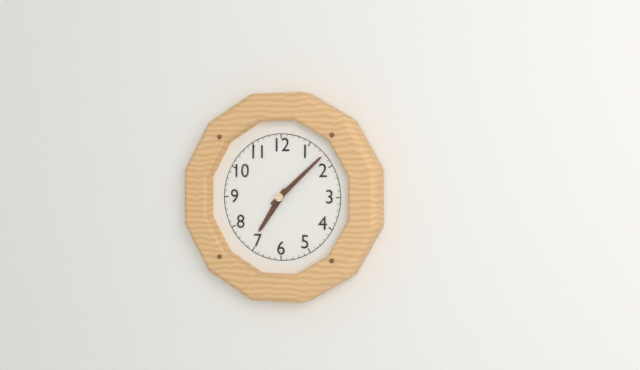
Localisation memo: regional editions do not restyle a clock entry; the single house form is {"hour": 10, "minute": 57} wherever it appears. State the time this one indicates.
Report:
{"hour": 7, "minute": 8}
